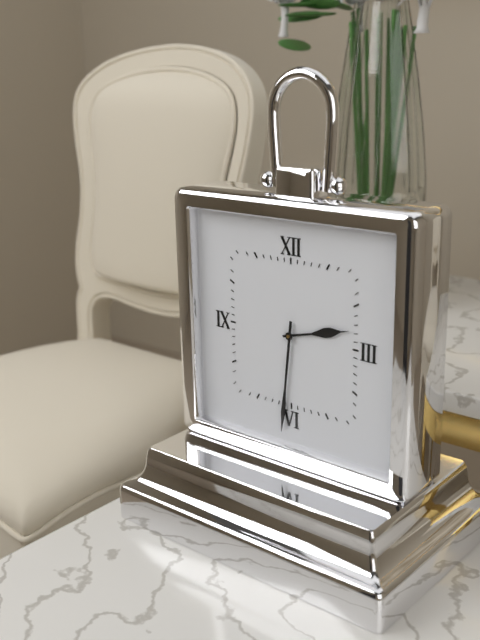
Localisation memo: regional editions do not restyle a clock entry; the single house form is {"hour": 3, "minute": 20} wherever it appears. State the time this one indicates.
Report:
{"hour": 2, "minute": 31}
